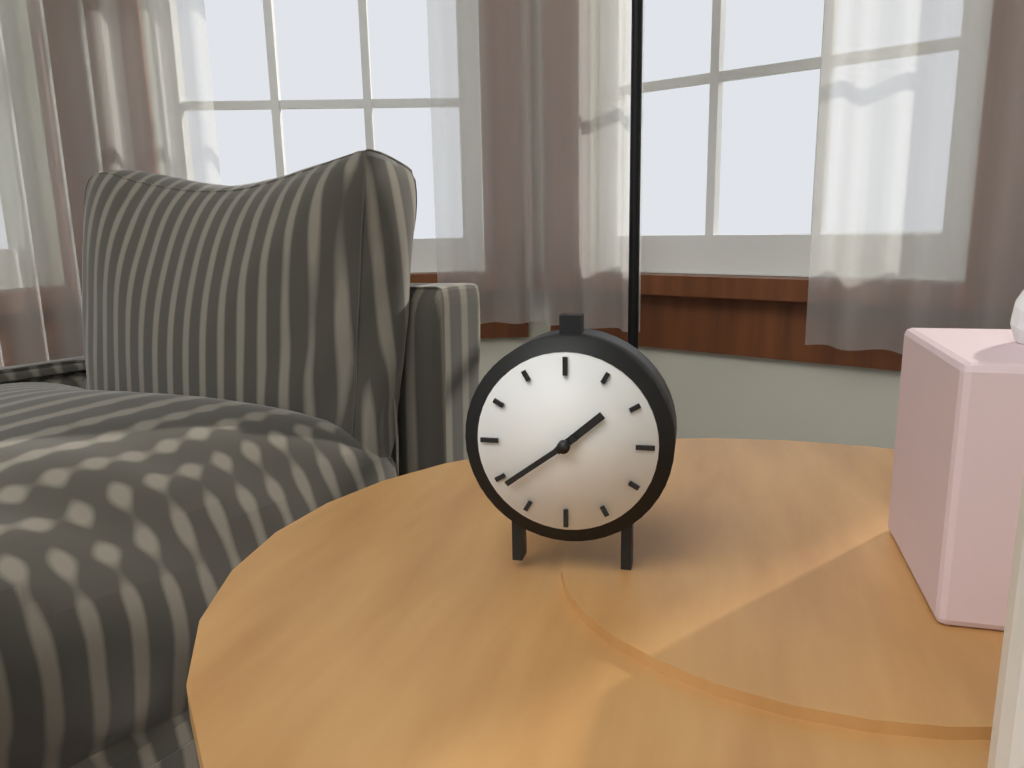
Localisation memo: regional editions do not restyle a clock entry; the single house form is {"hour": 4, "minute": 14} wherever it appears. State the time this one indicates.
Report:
{"hour": 1, "minute": 39}
